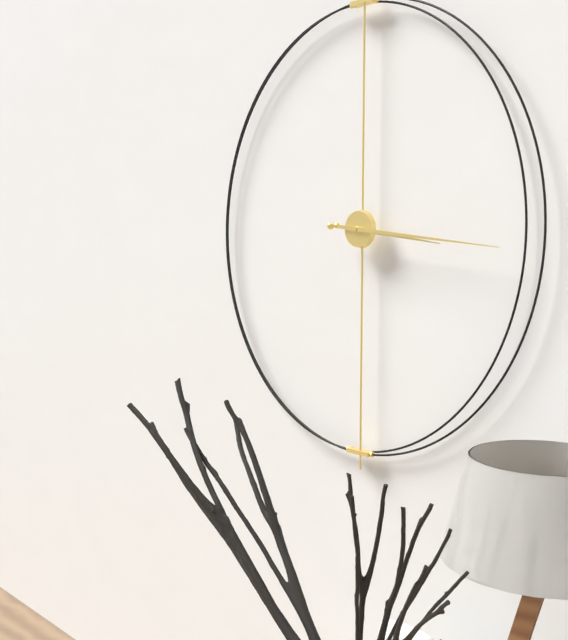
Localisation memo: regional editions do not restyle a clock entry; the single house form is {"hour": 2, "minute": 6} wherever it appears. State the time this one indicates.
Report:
{"hour": 3, "minute": 16}
